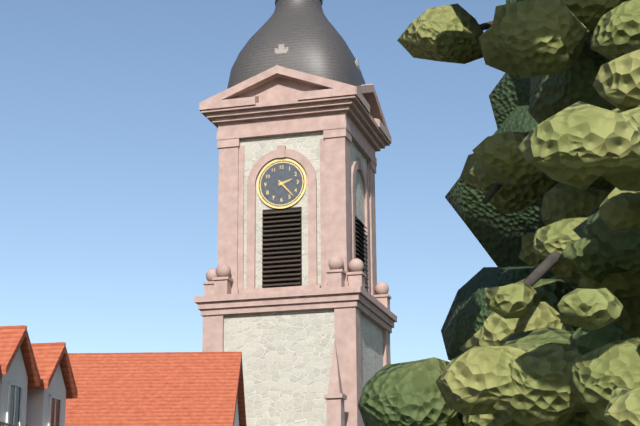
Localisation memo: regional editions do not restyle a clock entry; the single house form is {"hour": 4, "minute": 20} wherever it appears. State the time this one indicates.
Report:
{"hour": 2, "minute": 23}
